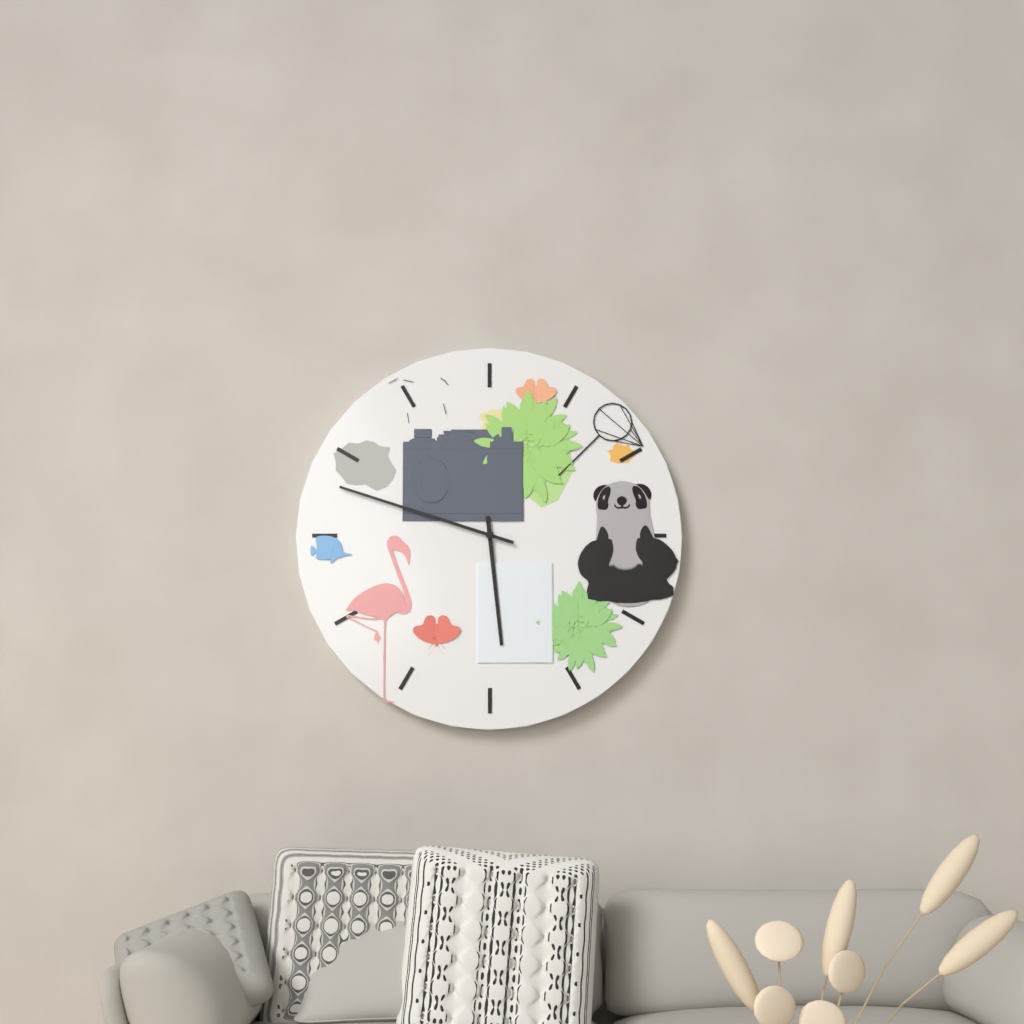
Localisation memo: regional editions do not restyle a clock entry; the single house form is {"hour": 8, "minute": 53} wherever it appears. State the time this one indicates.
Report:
{"hour": 5, "minute": 48}
